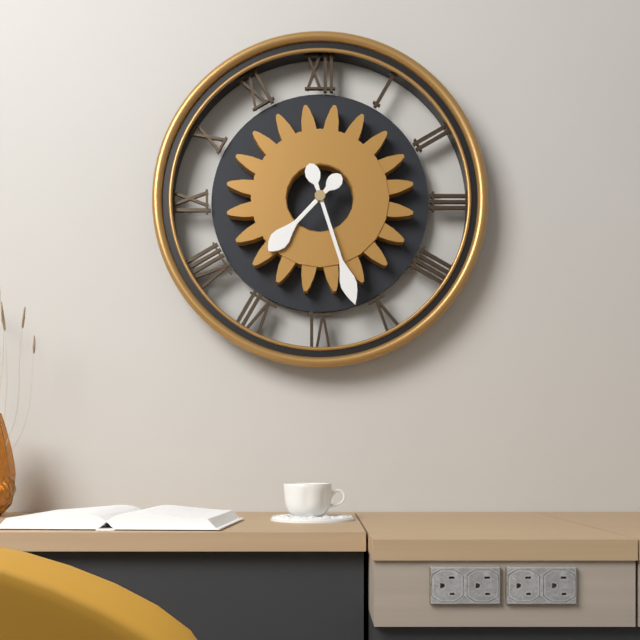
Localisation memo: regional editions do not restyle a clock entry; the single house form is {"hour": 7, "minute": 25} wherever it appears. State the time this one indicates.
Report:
{"hour": 7, "minute": 27}
